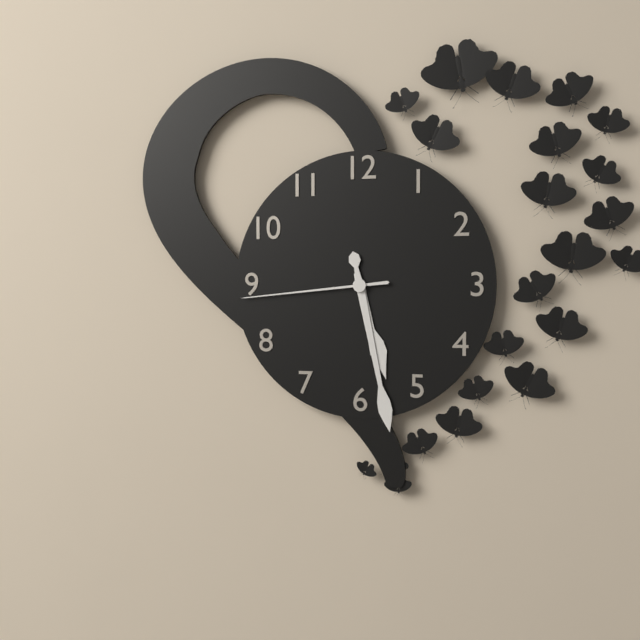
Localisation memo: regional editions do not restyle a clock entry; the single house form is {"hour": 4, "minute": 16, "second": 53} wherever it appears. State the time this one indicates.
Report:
{"hour": 5, "minute": 28, "second": 44}
